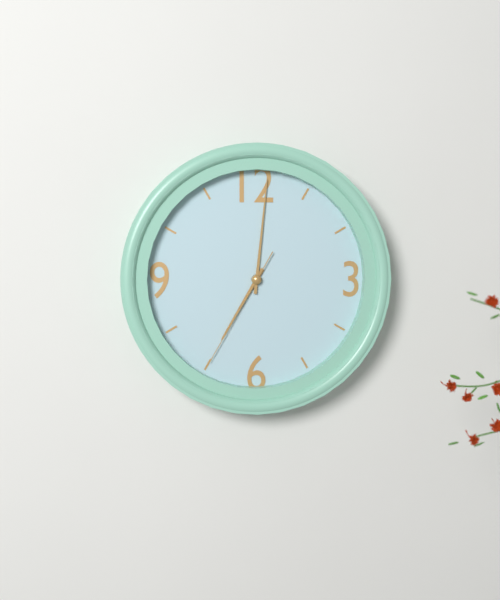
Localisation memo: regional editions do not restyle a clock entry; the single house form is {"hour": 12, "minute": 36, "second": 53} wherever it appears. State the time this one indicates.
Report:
{"hour": 7, "minute": 1, "second": 35}
